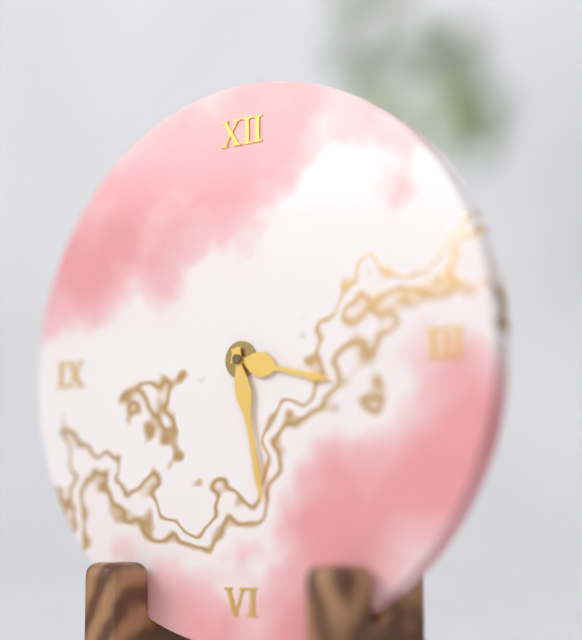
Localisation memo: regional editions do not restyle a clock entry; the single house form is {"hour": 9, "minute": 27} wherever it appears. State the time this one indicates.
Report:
{"hour": 3, "minute": 28}
